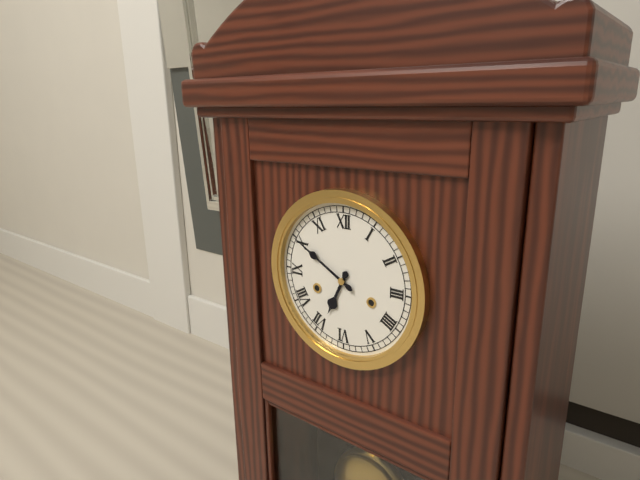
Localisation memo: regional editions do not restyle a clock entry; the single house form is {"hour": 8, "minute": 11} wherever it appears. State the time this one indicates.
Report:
{"hour": 6, "minute": 50}
